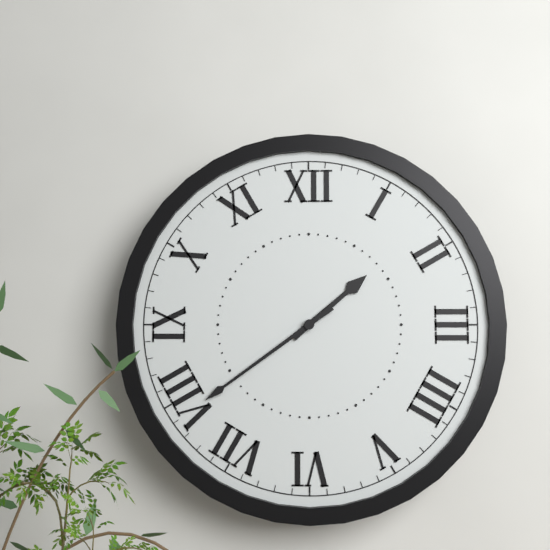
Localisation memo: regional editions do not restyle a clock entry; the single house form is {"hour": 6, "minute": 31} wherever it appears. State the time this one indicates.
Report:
{"hour": 1, "minute": 39}
